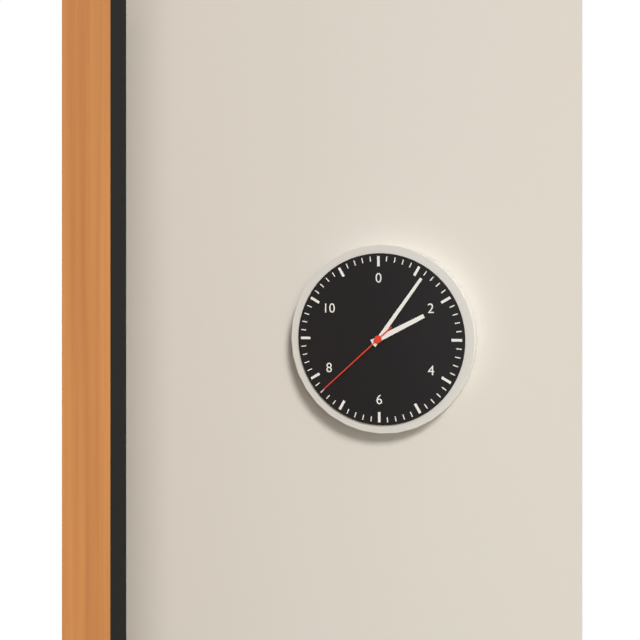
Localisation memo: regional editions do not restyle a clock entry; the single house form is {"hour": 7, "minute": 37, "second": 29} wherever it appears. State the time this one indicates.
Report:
{"hour": 2, "minute": 6, "second": 38}
